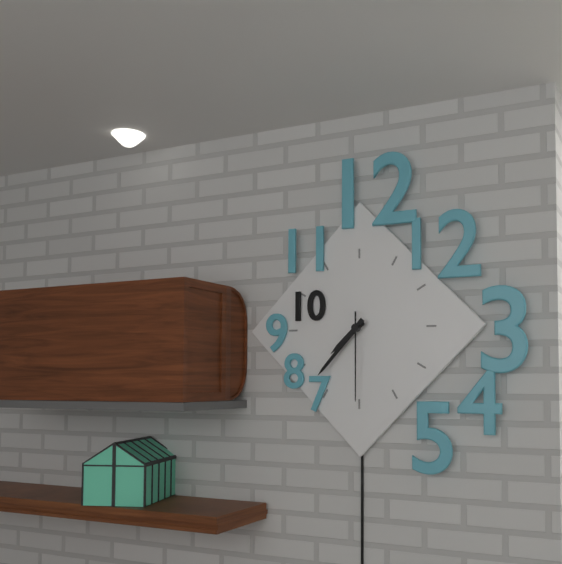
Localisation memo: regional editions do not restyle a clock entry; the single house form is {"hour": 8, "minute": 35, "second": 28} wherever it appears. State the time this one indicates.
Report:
{"hour": 7, "minute": 37, "second": 30}
